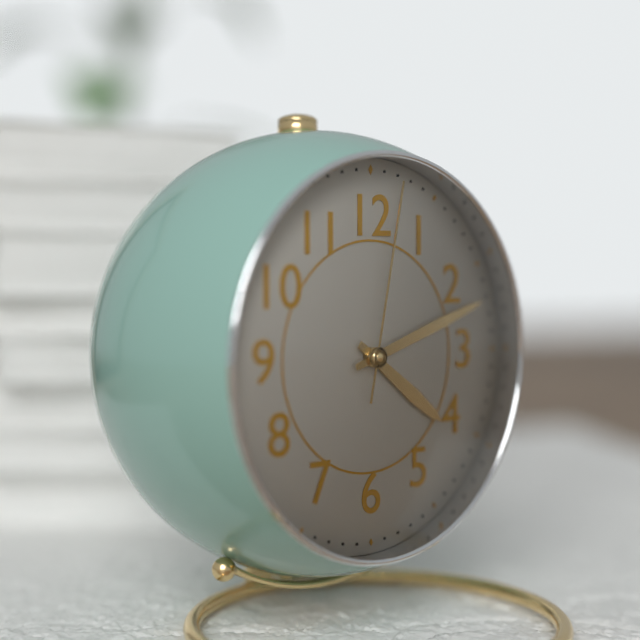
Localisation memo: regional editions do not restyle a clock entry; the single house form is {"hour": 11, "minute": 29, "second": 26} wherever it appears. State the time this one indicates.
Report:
{"hour": 4, "minute": 12, "second": 2}
